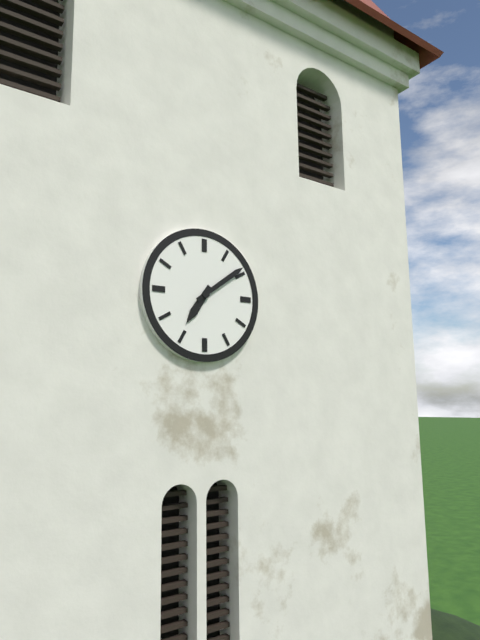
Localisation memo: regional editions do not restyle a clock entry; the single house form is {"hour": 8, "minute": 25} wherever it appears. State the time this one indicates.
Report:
{"hour": 7, "minute": 9}
